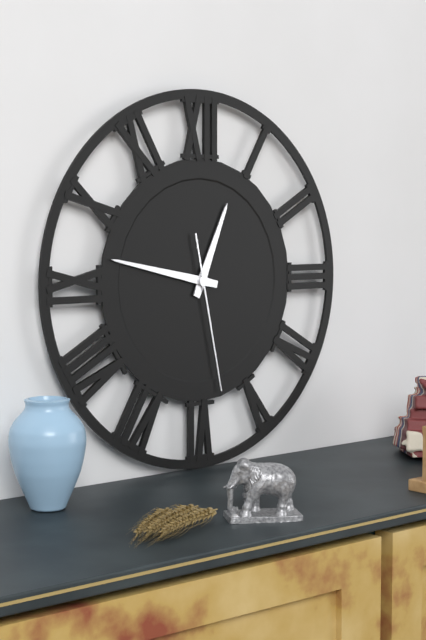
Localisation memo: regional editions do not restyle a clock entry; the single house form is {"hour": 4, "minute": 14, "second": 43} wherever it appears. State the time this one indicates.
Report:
{"hour": 12, "minute": 47, "second": 28}
